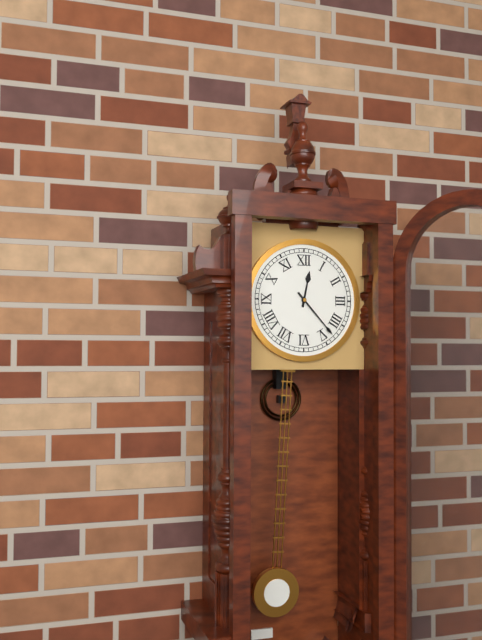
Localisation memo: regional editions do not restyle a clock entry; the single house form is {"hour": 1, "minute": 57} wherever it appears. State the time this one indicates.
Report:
{"hour": 12, "minute": 23}
